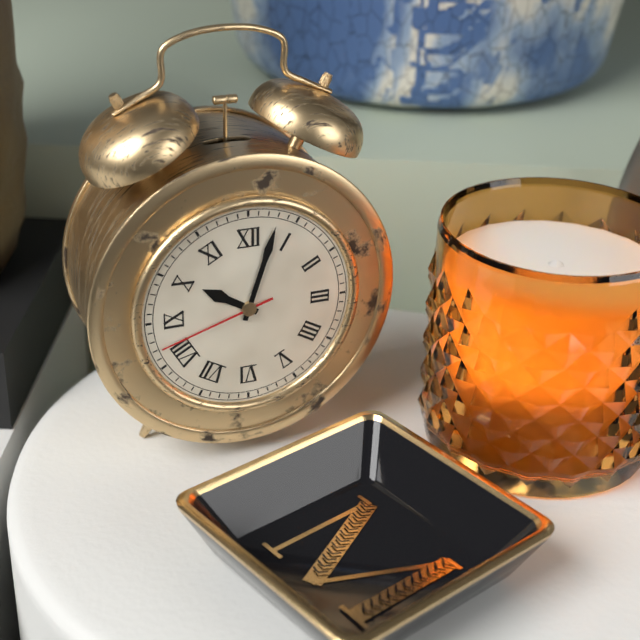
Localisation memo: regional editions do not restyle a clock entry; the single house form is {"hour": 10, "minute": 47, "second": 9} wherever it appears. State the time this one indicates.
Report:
{"hour": 10, "minute": 3, "second": 42}
